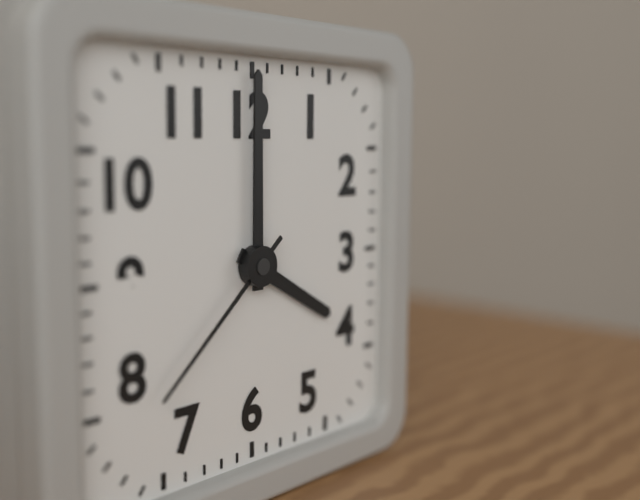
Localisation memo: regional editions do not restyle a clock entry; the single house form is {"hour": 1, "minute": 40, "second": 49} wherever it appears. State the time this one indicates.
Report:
{"hour": 4, "minute": 0, "second": 38}
